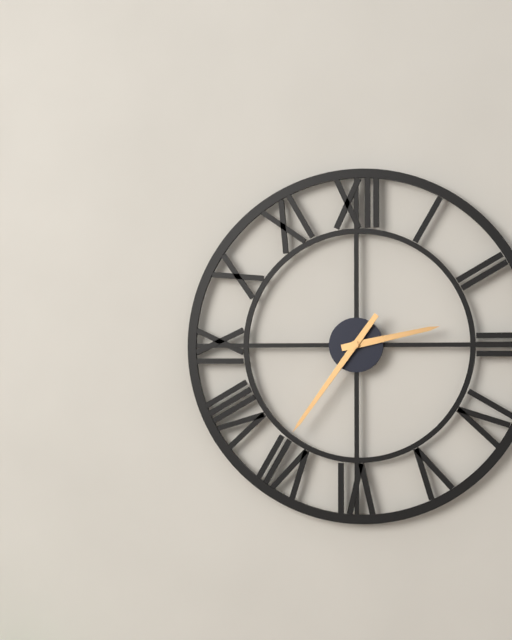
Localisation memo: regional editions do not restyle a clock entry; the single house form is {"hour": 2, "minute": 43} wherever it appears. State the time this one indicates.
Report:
{"hour": 2, "minute": 36}
